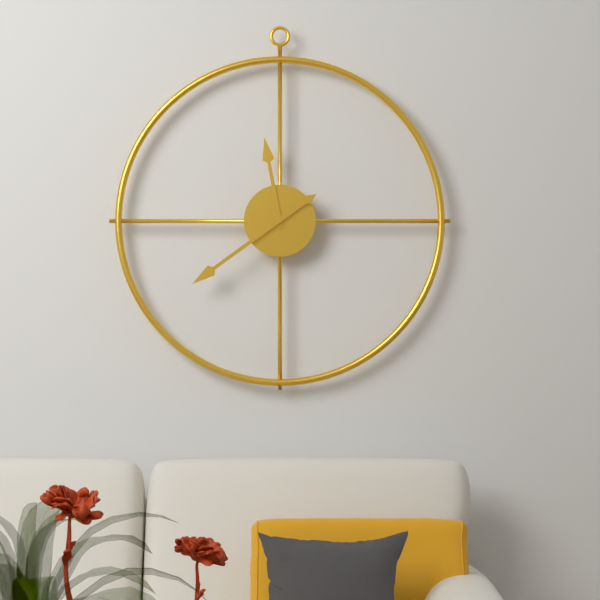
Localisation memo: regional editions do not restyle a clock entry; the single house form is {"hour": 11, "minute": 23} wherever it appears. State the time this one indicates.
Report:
{"hour": 11, "minute": 39}
